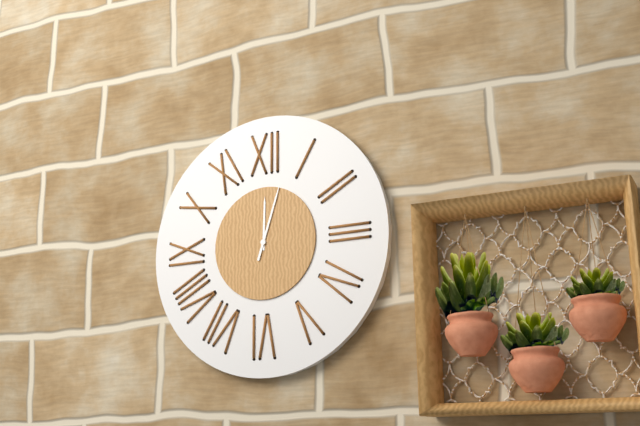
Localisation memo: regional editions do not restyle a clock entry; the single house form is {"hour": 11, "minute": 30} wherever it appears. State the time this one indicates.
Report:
{"hour": 12, "minute": 3}
